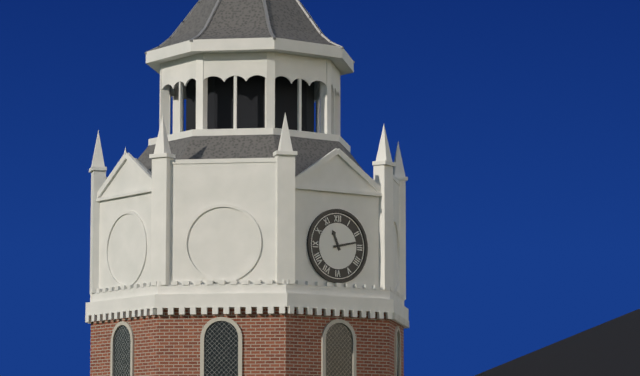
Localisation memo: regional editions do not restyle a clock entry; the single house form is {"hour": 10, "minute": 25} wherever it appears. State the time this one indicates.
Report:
{"hour": 11, "minute": 13}
